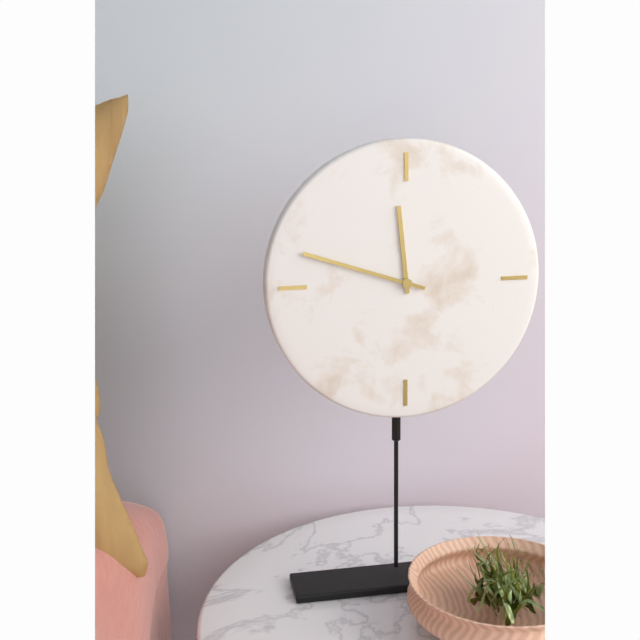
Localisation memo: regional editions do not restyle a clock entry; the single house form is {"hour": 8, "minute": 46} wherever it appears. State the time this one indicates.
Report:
{"hour": 11, "minute": 48}
